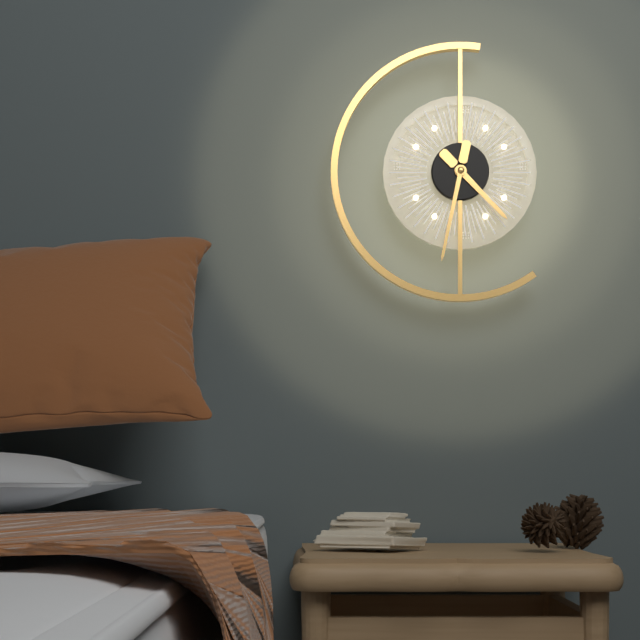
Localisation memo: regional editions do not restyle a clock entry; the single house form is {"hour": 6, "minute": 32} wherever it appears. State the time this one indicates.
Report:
{"hour": 4, "minute": 32}
